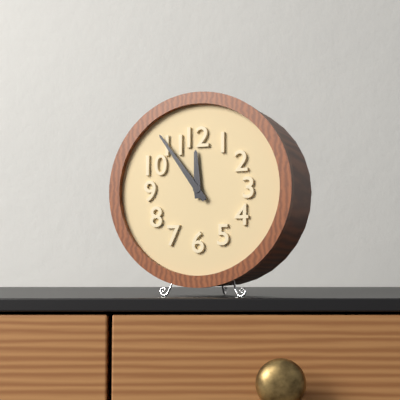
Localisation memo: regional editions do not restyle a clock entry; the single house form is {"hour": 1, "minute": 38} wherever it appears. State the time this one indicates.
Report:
{"hour": 11, "minute": 54}
